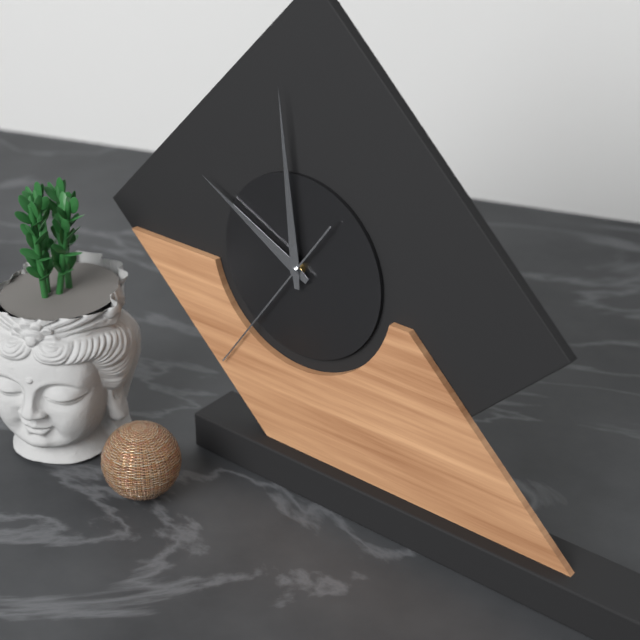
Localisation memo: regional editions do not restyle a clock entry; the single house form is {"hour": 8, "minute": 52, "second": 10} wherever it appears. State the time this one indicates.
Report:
{"hour": 9, "minute": 59, "second": 36}
